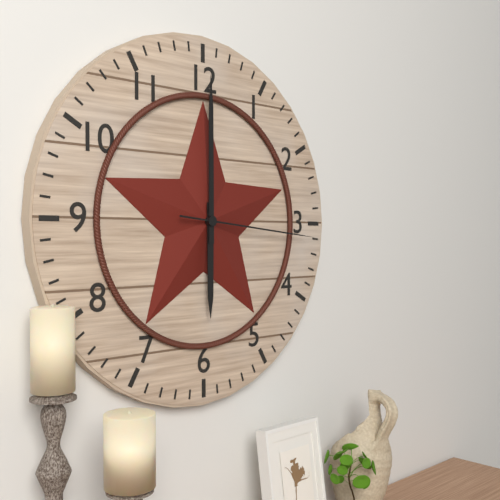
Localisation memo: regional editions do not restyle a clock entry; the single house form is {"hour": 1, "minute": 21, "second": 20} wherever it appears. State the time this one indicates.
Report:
{"hour": 6, "minute": 0, "second": 16}
